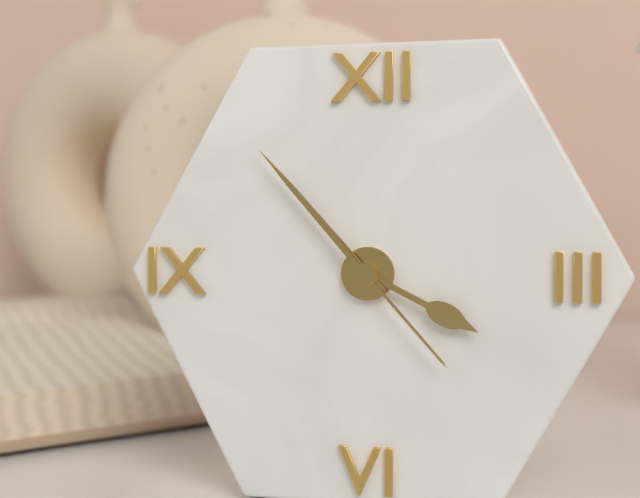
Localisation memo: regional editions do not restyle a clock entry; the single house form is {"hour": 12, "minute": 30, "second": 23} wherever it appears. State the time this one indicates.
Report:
{"hour": 3, "minute": 53, "second": 23}
